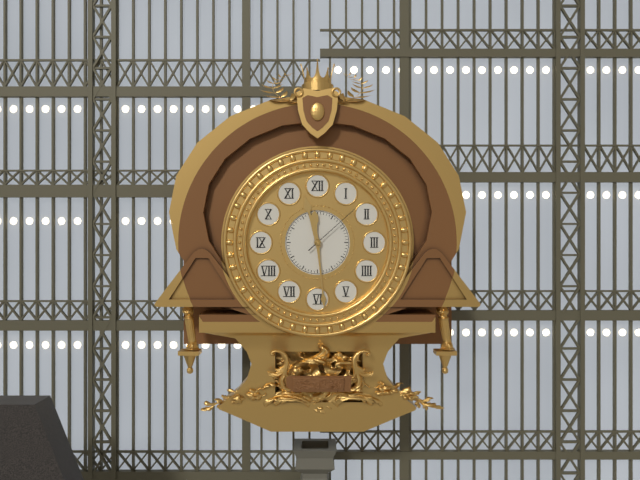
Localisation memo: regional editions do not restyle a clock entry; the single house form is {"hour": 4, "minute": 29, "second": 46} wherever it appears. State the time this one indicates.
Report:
{"hour": 11, "minute": 29, "second": 8}
